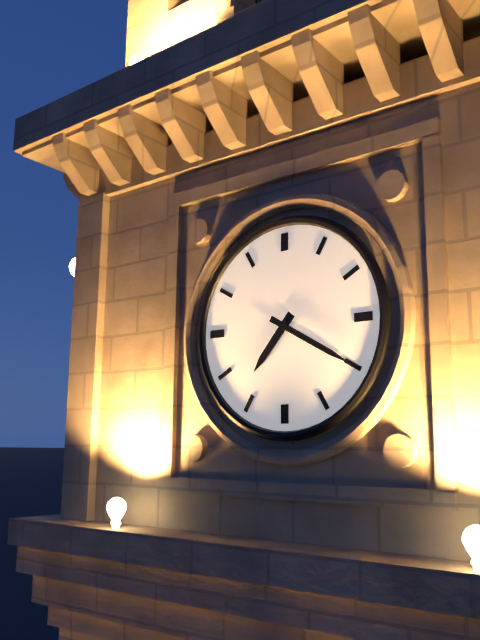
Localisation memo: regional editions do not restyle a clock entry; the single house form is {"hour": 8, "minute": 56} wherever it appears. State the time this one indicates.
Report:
{"hour": 7, "minute": 20}
